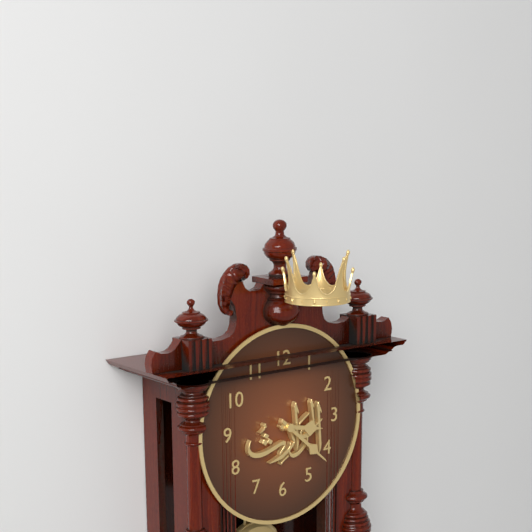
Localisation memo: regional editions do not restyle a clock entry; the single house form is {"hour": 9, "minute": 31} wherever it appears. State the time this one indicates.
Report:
{"hour": 3, "minute": 22}
